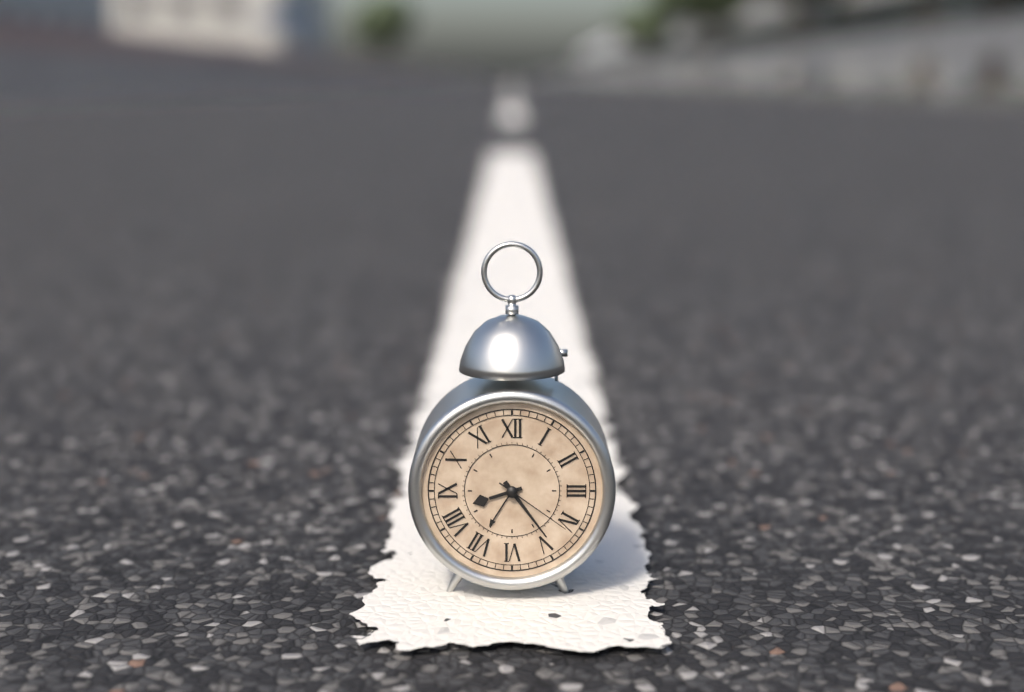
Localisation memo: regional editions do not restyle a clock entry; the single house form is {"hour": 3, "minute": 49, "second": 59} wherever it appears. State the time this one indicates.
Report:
{"hour": 8, "minute": 24, "second": 21}
